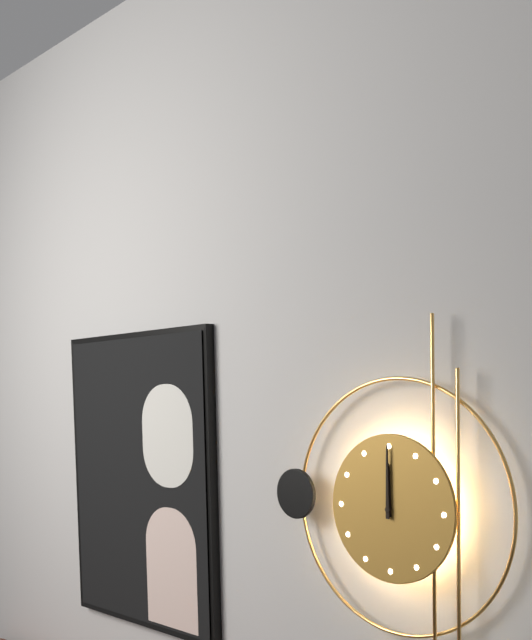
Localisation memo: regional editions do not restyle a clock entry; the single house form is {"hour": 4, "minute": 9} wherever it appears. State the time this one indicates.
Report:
{"hour": 12, "minute": 0}
